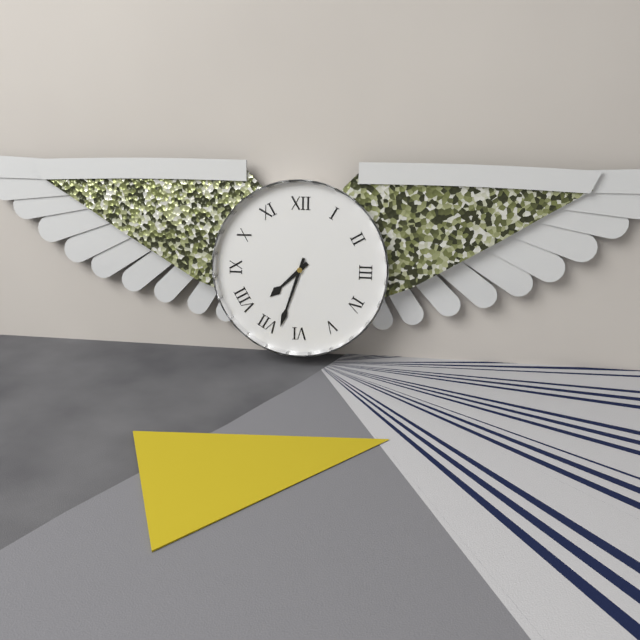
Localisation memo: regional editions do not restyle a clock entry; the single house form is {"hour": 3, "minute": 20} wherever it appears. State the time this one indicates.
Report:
{"hour": 7, "minute": 33}
